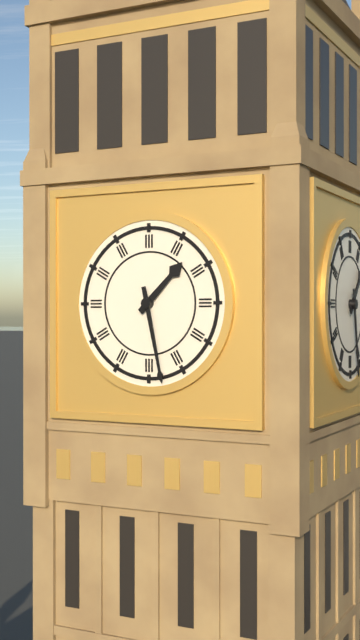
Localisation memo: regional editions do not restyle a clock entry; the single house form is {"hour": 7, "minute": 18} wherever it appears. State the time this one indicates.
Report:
{"hour": 1, "minute": 28}
